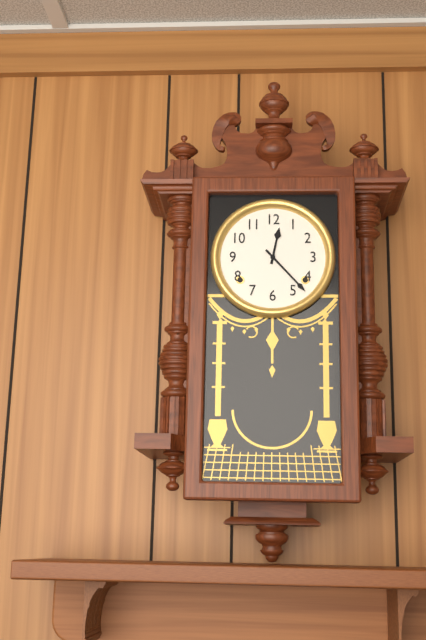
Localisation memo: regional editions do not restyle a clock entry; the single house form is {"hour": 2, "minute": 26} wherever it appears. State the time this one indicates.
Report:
{"hour": 12, "minute": 23}
